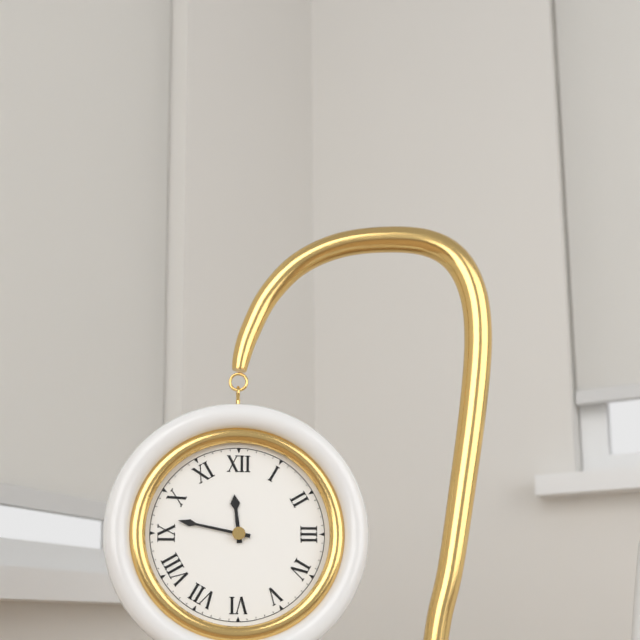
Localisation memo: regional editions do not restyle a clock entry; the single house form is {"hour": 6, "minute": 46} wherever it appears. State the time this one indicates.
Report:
{"hour": 11, "minute": 47}
